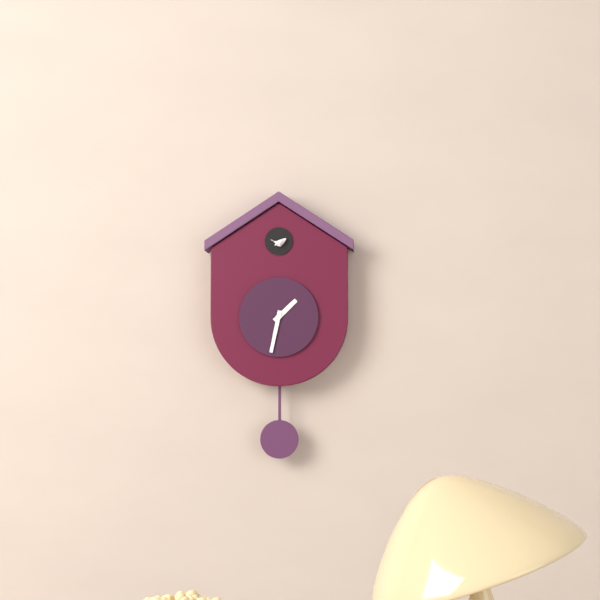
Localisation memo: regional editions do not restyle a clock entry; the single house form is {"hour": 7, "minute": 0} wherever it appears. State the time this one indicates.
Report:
{"hour": 1, "minute": 32}
